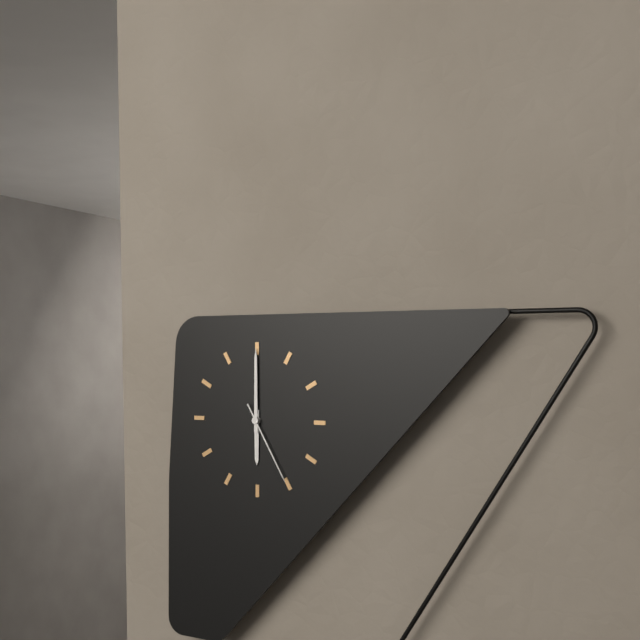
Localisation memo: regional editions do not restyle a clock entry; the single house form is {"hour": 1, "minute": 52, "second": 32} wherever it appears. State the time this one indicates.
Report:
{"hour": 6, "minute": 0, "second": 25}
